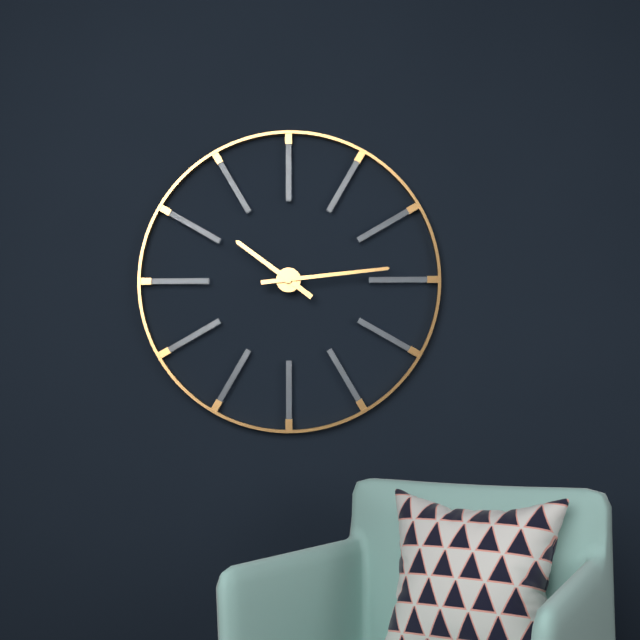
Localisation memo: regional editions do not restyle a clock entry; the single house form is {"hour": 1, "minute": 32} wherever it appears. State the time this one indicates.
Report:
{"hour": 10, "minute": 14}
